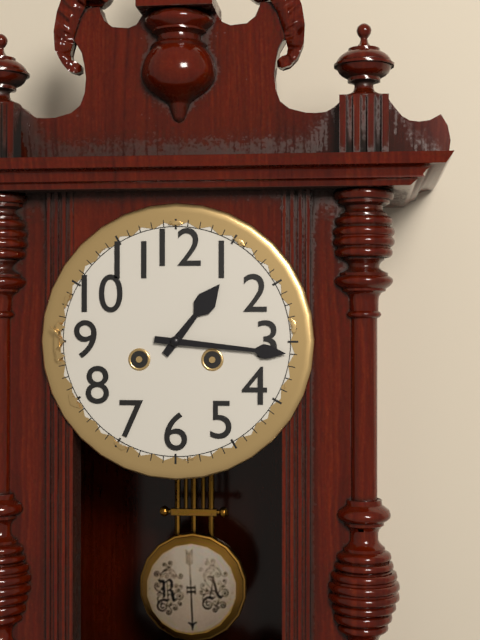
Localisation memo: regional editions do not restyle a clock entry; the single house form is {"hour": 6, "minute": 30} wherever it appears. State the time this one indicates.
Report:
{"hour": 1, "minute": 16}
